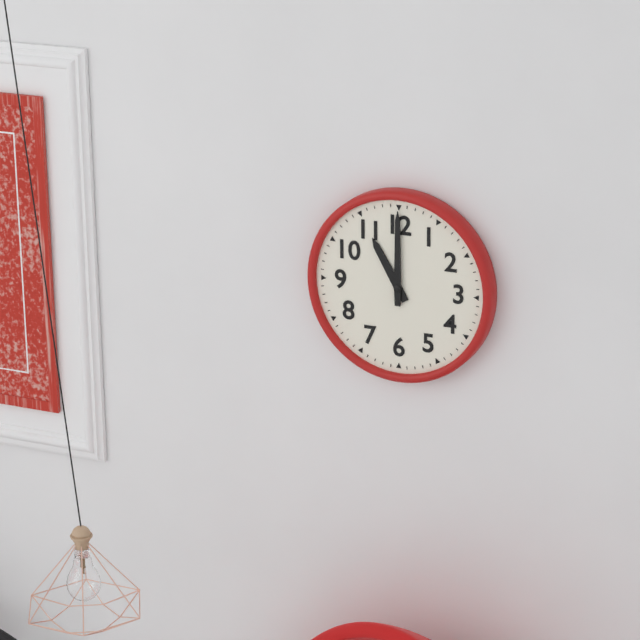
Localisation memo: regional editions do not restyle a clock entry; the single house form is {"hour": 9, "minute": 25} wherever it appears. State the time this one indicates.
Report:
{"hour": 11, "minute": 0}
